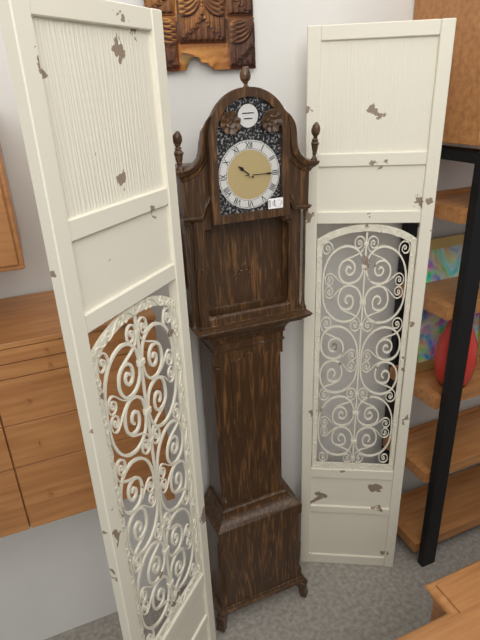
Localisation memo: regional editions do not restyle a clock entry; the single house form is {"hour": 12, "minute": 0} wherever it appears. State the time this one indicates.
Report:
{"hour": 10, "minute": 15}
